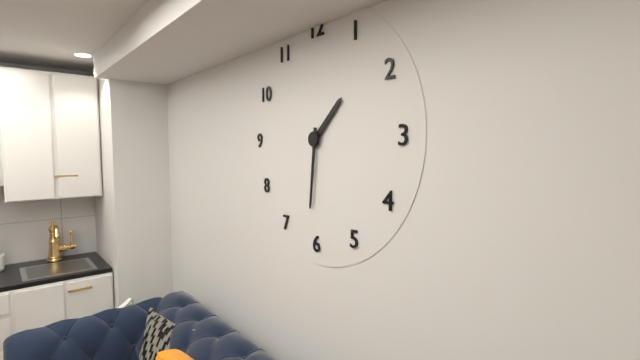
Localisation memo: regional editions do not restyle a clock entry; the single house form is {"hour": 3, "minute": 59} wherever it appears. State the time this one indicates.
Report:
{"hour": 1, "minute": 31}
